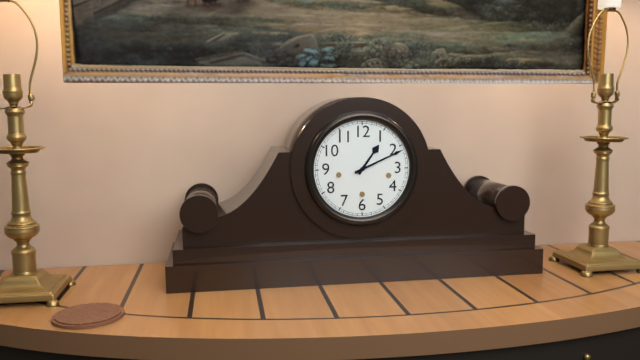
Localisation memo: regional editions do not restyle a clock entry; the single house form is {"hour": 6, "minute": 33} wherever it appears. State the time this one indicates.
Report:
{"hour": 1, "minute": 11}
